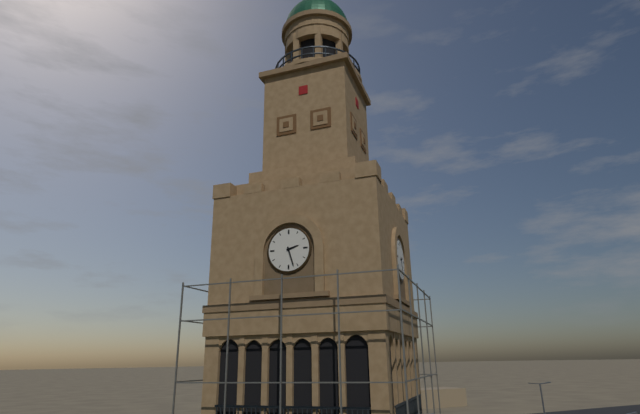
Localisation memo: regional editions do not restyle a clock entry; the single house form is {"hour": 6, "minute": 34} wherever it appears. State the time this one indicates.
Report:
{"hour": 2, "minute": 27}
